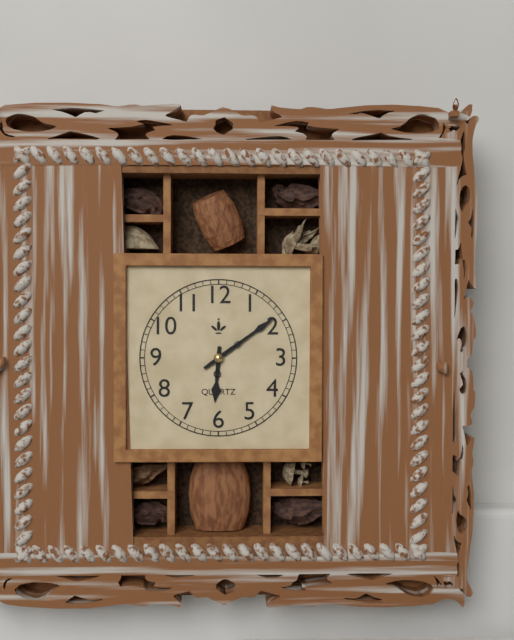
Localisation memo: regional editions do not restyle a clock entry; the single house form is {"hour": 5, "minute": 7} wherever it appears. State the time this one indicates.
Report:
{"hour": 6, "minute": 9}
